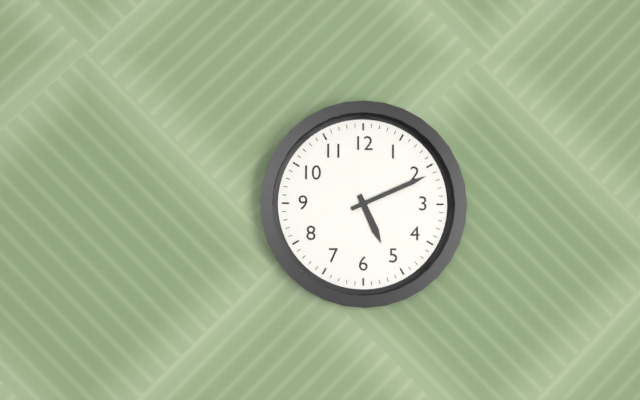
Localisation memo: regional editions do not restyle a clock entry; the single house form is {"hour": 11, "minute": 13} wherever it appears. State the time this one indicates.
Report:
{"hour": 5, "minute": 11}
